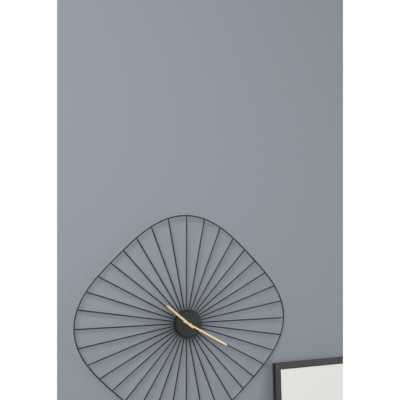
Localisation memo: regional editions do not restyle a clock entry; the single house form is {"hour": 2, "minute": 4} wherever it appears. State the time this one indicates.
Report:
{"hour": 10, "minute": 20}
